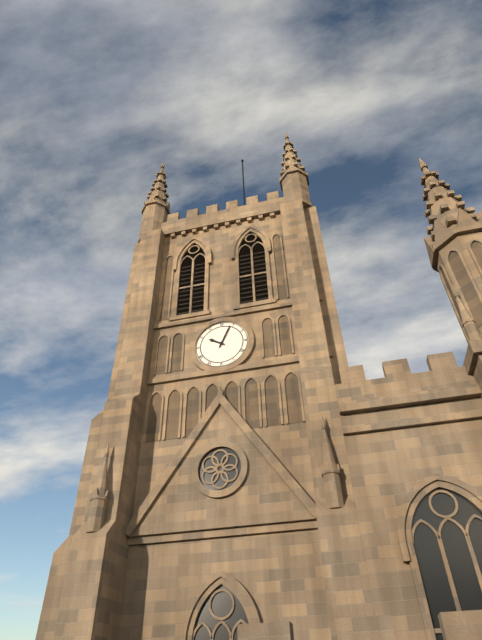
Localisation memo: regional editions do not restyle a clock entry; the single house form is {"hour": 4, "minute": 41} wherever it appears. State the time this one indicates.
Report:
{"hour": 10, "minute": 4}
